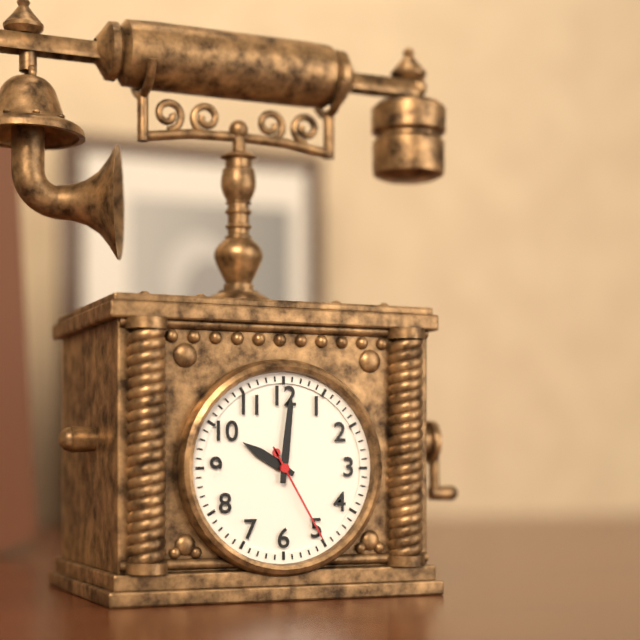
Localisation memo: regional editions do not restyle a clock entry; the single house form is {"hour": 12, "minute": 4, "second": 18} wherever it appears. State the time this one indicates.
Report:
{"hour": 10, "minute": 1, "second": 25}
